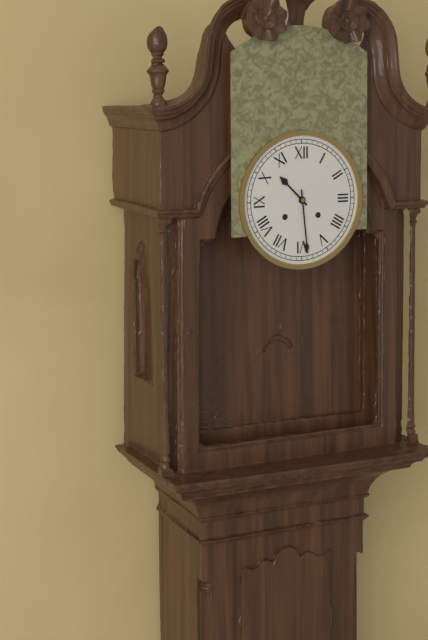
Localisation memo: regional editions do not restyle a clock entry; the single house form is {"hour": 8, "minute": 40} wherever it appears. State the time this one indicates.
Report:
{"hour": 10, "minute": 29}
